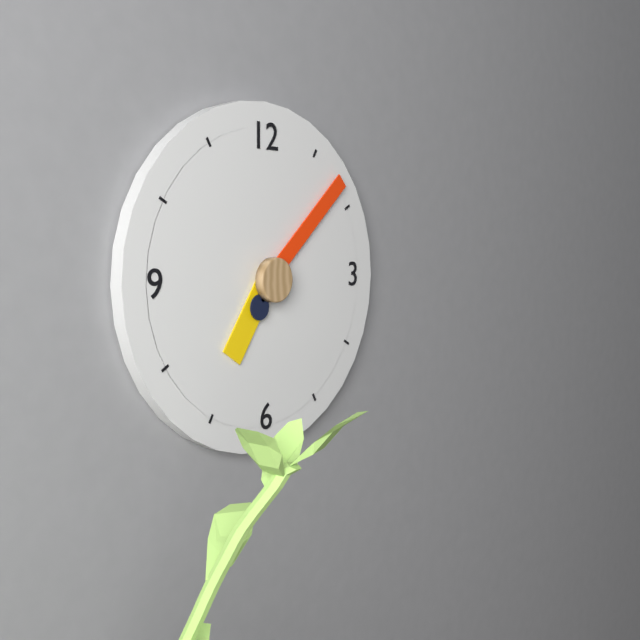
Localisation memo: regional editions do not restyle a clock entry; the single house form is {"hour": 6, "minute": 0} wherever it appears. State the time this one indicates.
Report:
{"hour": 7, "minute": 8}
